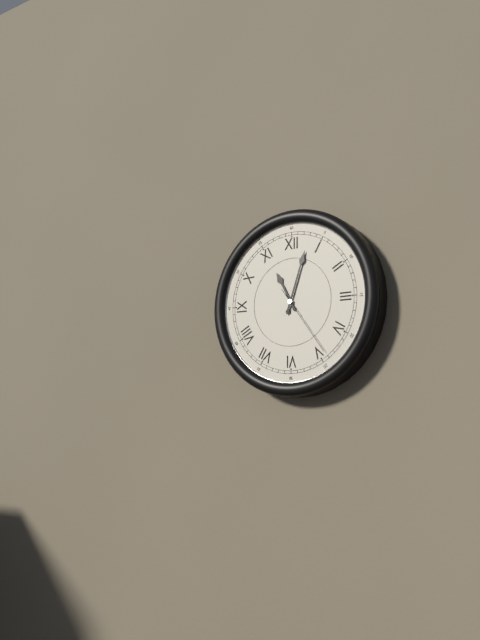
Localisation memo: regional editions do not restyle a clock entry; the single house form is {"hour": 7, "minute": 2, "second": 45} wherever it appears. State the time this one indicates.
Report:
{"hour": 11, "minute": 3, "second": 24}
